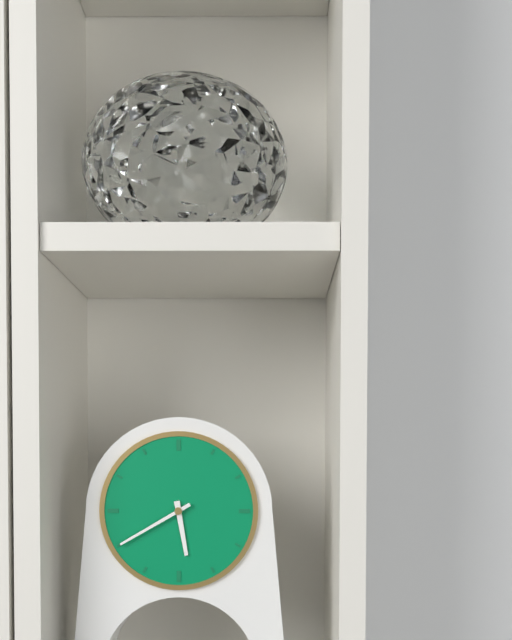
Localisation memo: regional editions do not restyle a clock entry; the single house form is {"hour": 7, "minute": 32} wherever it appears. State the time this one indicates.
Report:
{"hour": 5, "minute": 40}
